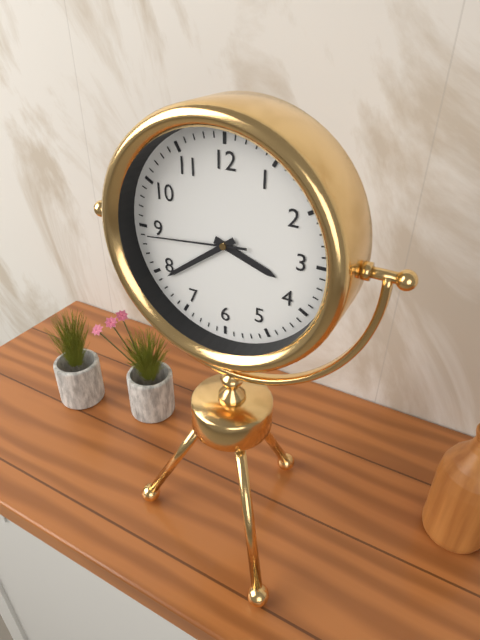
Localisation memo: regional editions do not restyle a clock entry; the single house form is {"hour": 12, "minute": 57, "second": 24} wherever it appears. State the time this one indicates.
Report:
{"hour": 3, "minute": 39, "second": 44}
